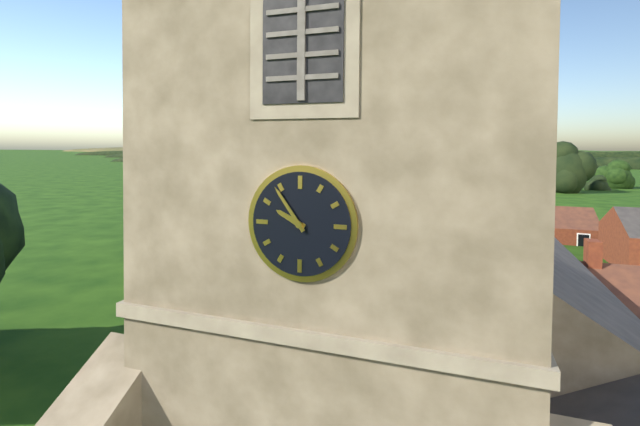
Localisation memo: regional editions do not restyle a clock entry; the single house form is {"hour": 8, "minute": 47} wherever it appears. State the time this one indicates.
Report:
{"hour": 9, "minute": 54}
